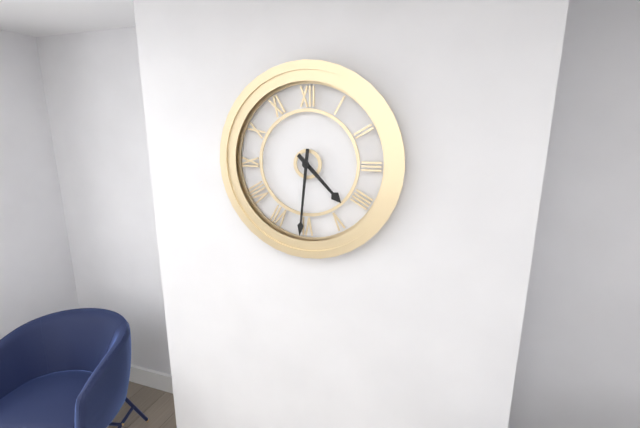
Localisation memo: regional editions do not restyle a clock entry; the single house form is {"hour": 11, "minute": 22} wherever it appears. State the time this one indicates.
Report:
{"hour": 4, "minute": 31}
